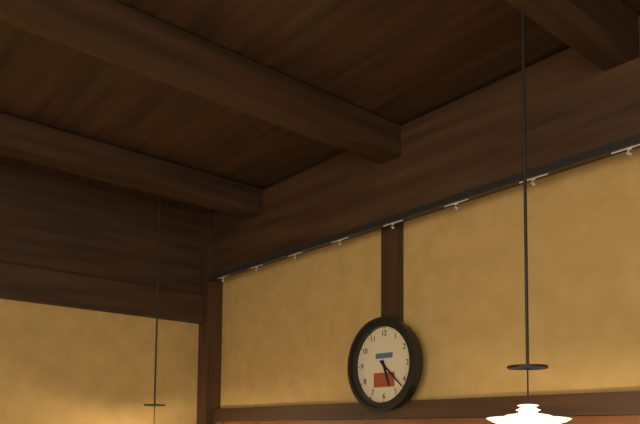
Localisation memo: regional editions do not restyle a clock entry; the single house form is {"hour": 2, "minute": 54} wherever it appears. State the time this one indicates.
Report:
{"hour": 5, "minute": 22}
